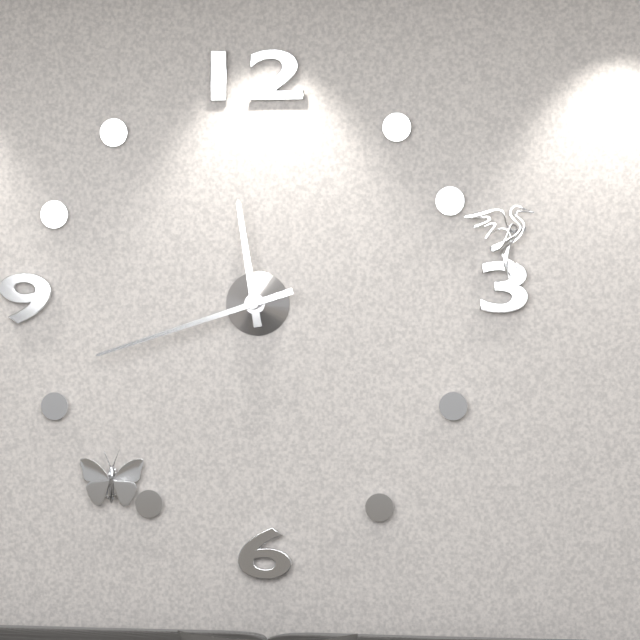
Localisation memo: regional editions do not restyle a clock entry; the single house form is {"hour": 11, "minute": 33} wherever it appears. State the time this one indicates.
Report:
{"hour": 11, "minute": 42}
